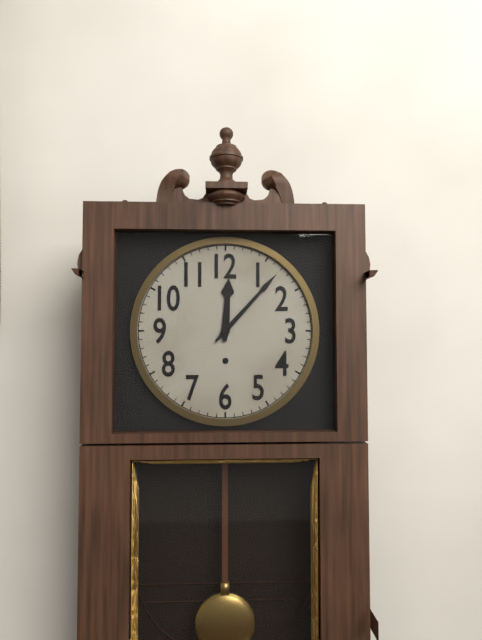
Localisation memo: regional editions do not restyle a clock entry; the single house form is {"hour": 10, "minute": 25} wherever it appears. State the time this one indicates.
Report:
{"hour": 12, "minute": 7}
